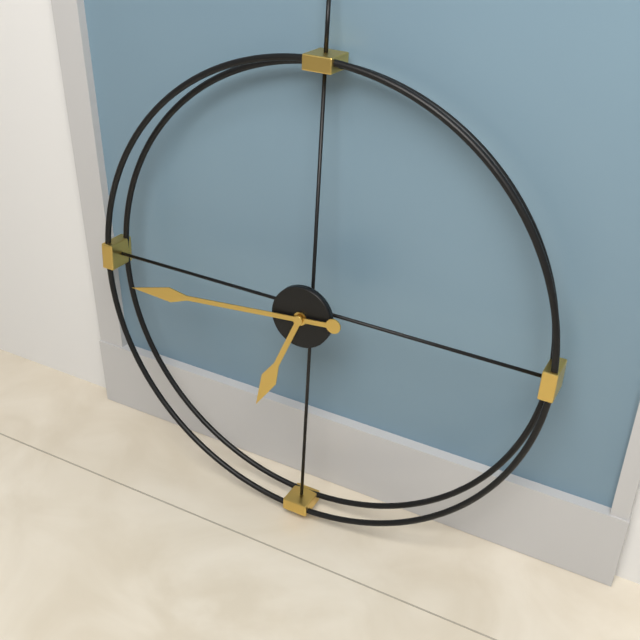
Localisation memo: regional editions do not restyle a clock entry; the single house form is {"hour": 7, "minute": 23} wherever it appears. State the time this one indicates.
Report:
{"hour": 6, "minute": 44}
